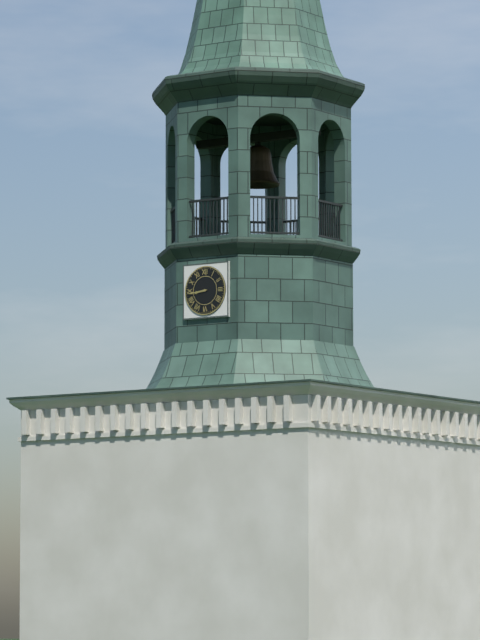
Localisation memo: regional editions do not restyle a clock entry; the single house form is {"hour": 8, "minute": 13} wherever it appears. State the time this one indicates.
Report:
{"hour": 8, "minute": 44}
